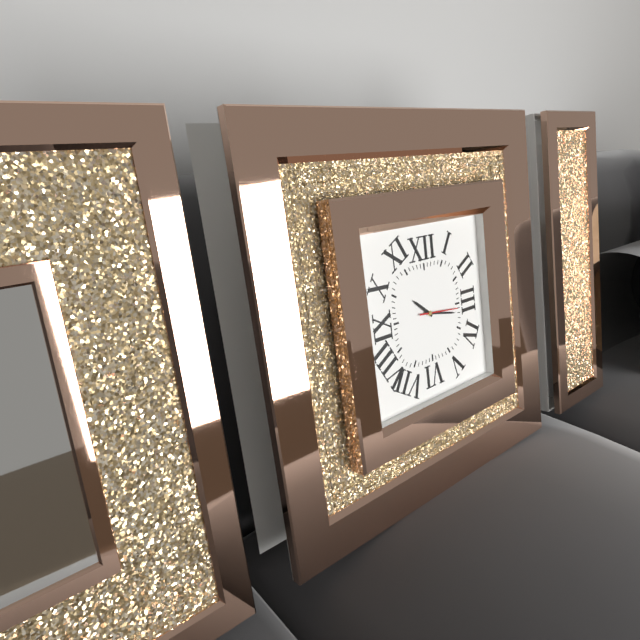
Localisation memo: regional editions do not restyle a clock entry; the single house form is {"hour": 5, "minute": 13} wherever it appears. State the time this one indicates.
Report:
{"hour": 10, "minute": 17}
